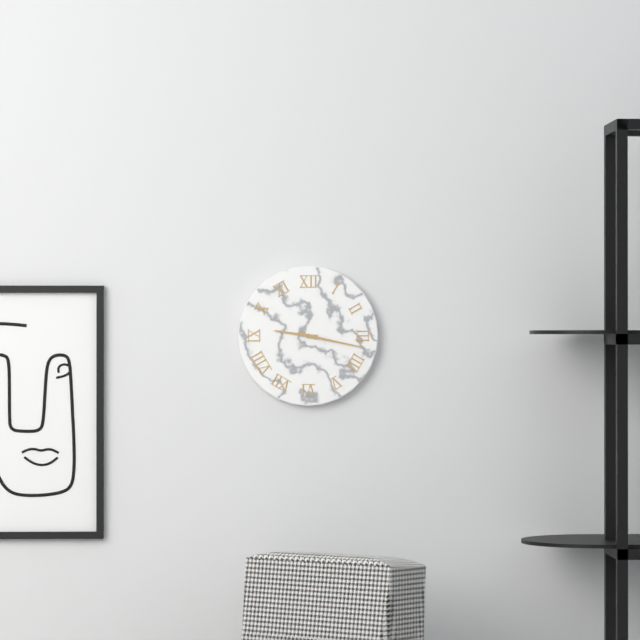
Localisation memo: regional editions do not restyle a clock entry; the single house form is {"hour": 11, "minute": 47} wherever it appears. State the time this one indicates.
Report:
{"hour": 9, "minute": 17}
